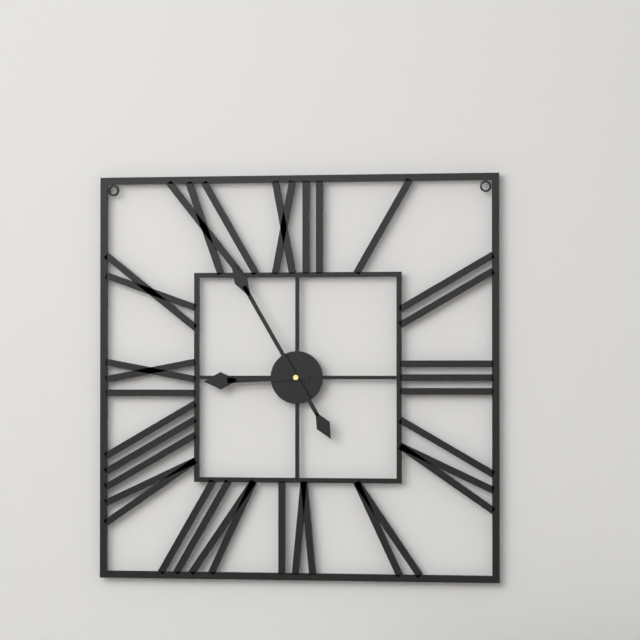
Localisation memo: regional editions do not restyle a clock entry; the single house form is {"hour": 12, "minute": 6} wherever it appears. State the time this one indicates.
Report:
{"hour": 8, "minute": 55}
